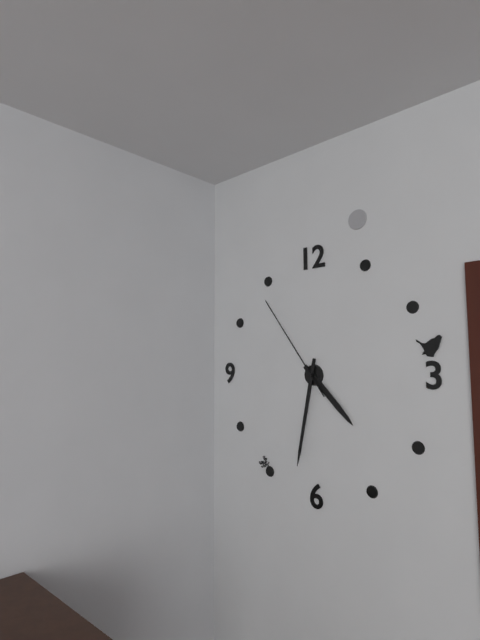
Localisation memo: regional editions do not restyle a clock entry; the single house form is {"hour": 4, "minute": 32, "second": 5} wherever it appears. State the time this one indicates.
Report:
{"hour": 4, "minute": 32, "second": 54}
